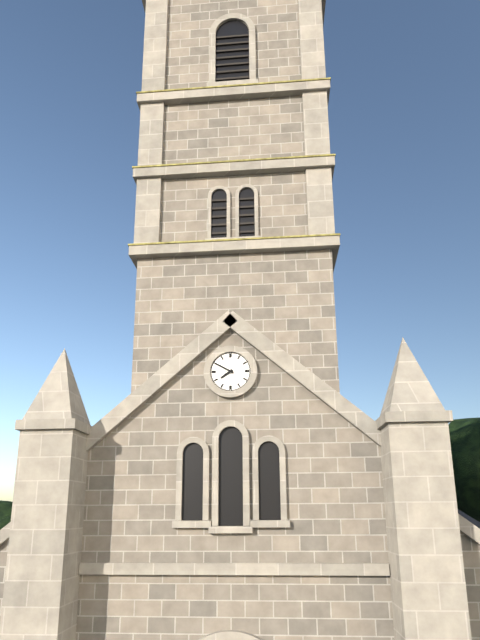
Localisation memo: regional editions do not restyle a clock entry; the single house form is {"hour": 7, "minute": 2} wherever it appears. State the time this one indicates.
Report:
{"hour": 7, "minute": 50}
